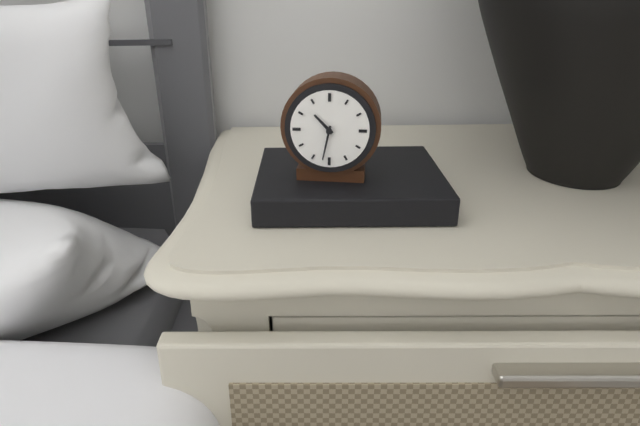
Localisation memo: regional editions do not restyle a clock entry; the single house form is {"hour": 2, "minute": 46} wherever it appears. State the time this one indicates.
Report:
{"hour": 10, "minute": 32}
